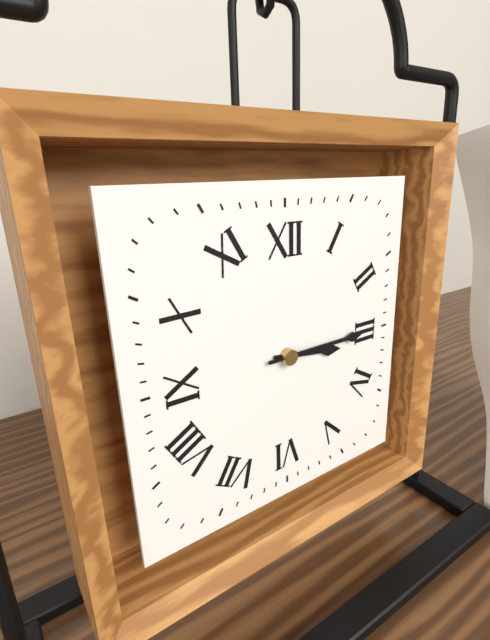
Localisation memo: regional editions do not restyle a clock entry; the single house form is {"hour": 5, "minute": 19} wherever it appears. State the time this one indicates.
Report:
{"hour": 3, "minute": 15}
